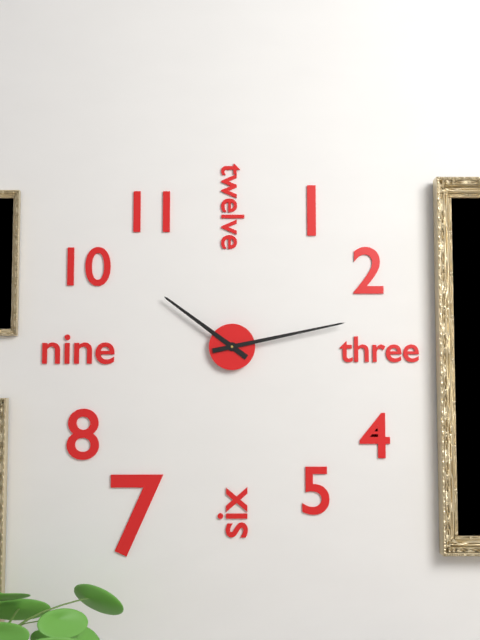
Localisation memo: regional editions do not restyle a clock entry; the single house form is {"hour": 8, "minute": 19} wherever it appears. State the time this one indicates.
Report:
{"hour": 10, "minute": 13}
